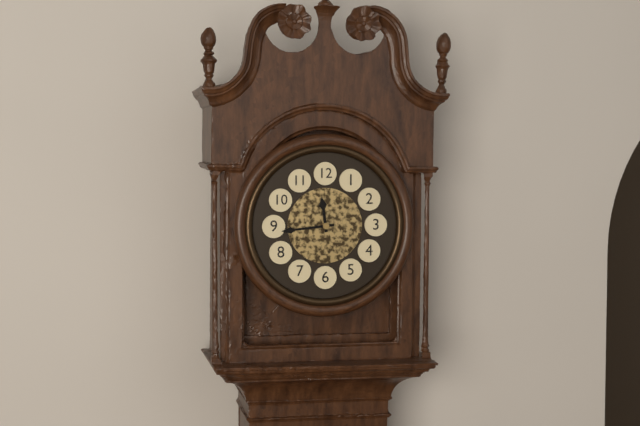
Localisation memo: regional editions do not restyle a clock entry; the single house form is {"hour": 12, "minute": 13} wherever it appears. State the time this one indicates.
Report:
{"hour": 11, "minute": 44}
